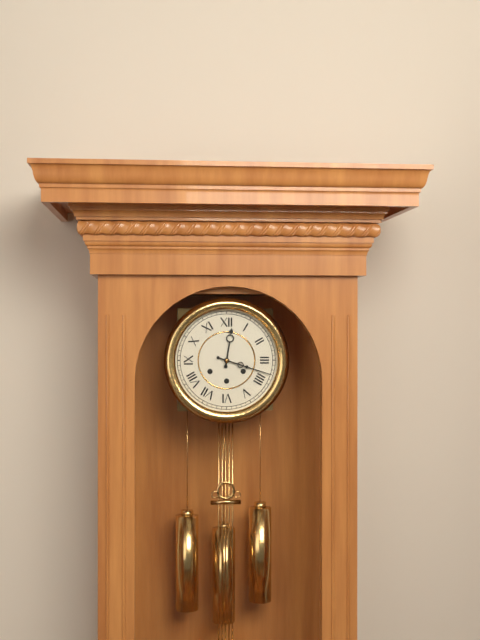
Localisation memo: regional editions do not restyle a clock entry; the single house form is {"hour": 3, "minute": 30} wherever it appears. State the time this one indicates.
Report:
{"hour": 12, "minute": 18}
